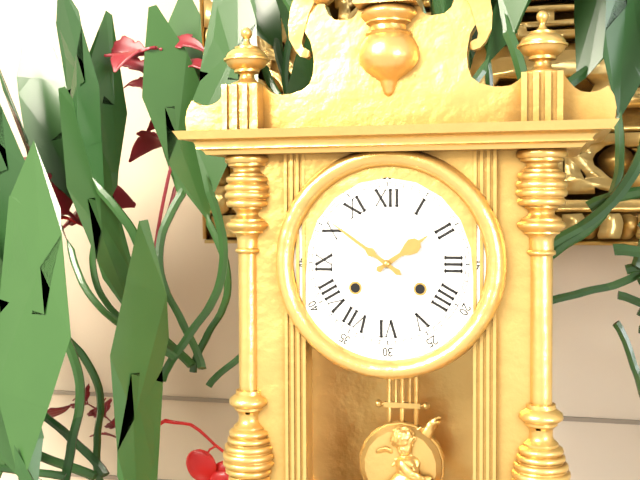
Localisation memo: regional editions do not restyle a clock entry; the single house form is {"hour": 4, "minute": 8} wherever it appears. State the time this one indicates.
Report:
{"hour": 1, "minute": 51}
